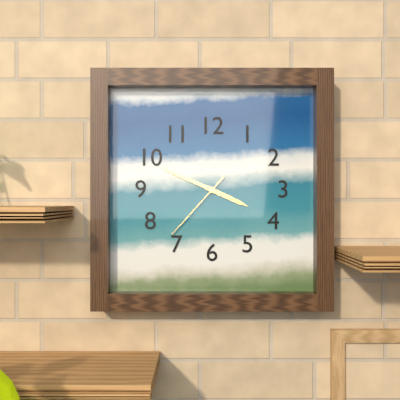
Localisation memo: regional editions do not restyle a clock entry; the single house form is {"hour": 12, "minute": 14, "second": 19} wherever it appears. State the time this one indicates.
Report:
{"hour": 3, "minute": 49, "second": 37}
